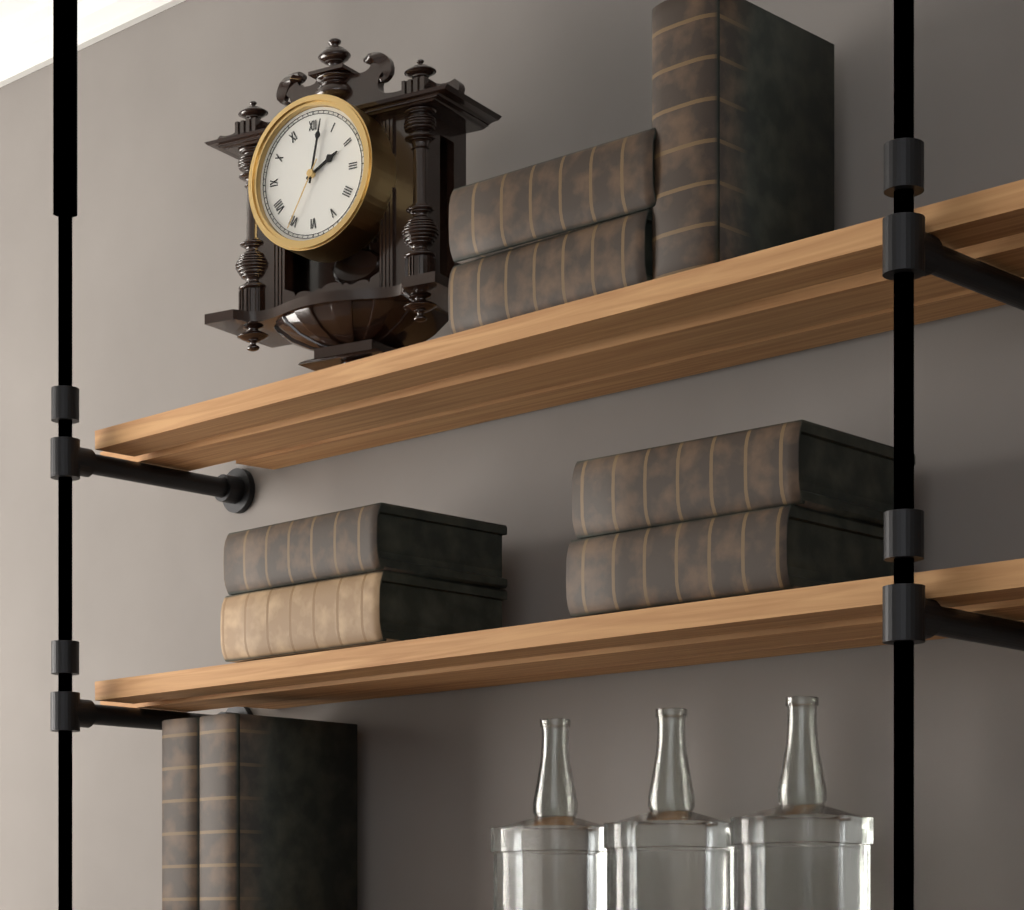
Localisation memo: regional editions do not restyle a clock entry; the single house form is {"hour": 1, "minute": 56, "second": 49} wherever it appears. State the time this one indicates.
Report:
{"hour": 2, "minute": 2, "second": 35}
